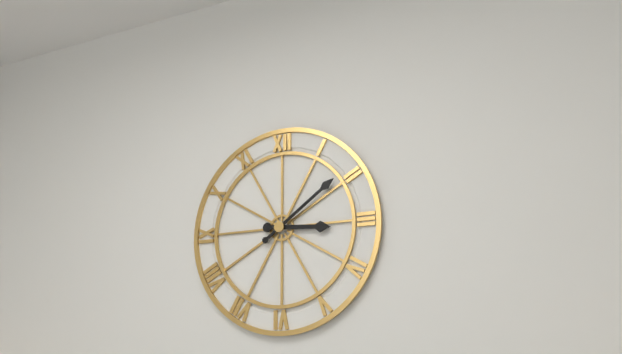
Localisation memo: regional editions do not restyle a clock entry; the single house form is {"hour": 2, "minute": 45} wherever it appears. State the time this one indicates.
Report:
{"hour": 3, "minute": 9}
